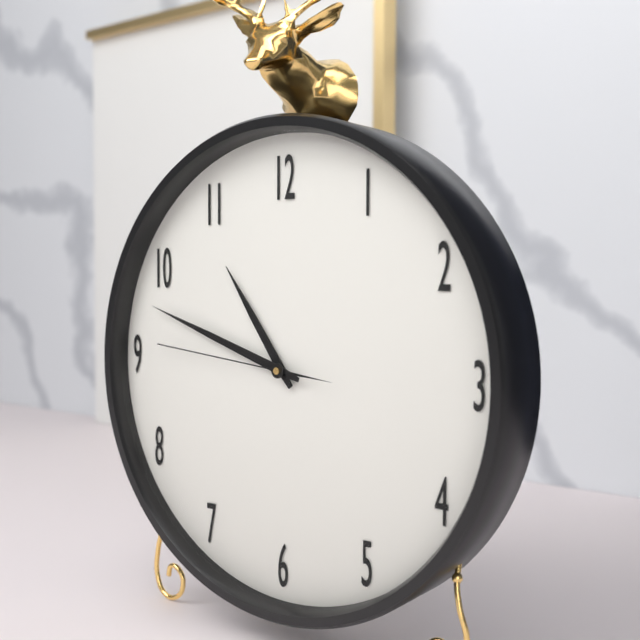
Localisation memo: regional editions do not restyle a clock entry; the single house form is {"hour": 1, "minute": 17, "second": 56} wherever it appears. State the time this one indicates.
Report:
{"hour": 10, "minute": 48, "second": 46}
